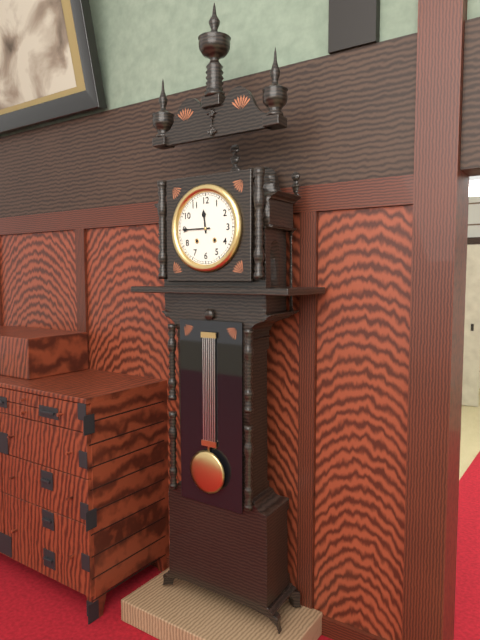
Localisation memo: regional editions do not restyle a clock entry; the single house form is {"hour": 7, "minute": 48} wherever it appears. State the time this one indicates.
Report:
{"hour": 11, "minute": 45}
